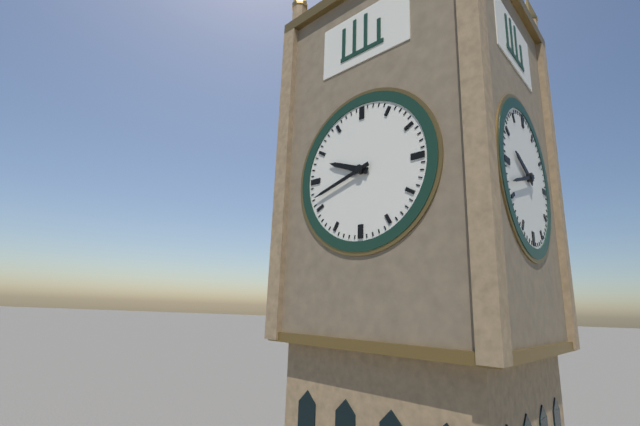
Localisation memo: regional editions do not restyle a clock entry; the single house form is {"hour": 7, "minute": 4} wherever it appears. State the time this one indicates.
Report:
{"hour": 9, "minute": 42}
